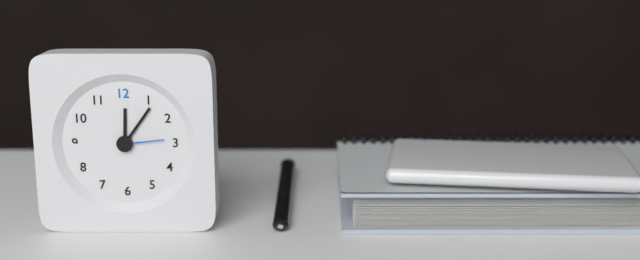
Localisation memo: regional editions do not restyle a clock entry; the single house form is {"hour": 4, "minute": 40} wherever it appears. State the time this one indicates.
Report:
{"hour": 12, "minute": 6}
